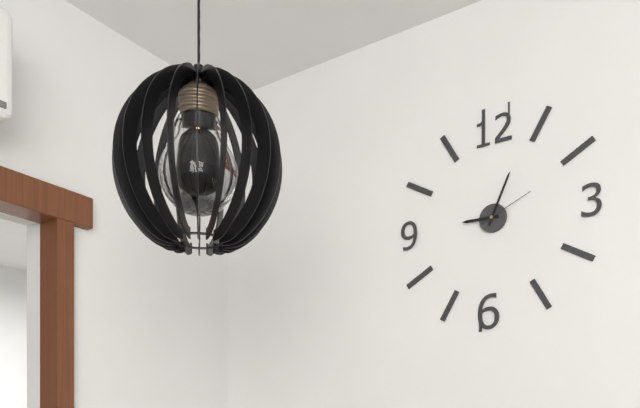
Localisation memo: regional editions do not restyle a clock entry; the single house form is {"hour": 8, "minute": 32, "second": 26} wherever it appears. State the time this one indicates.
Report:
{"hour": 9, "minute": 4, "second": 11}
